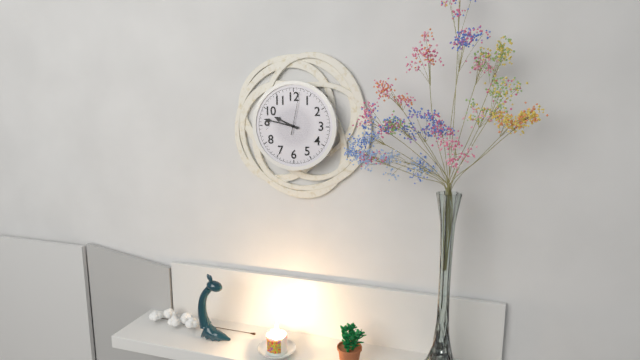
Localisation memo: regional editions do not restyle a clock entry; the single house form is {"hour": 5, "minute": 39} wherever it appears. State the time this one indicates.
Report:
{"hour": 9, "minute": 47}
